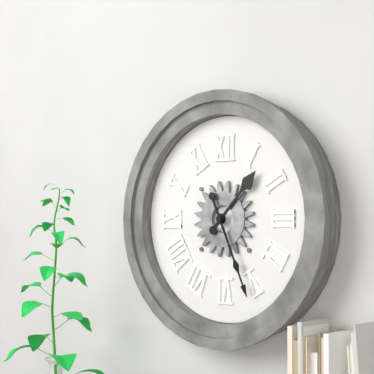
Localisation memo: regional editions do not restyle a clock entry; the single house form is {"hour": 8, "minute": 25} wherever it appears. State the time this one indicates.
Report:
{"hour": 1, "minute": 26}
